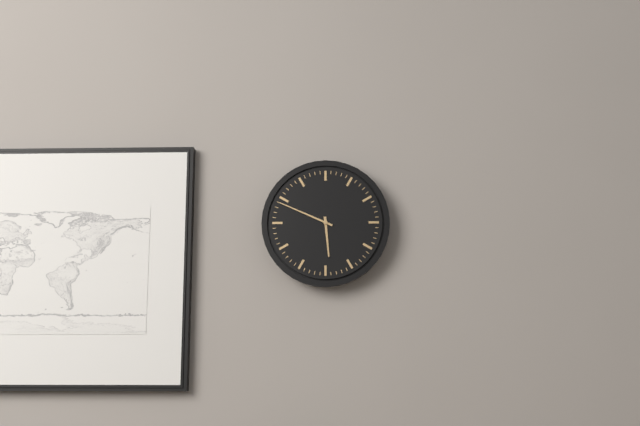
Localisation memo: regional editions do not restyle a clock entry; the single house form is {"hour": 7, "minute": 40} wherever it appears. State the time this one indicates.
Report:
{"hour": 5, "minute": 49}
